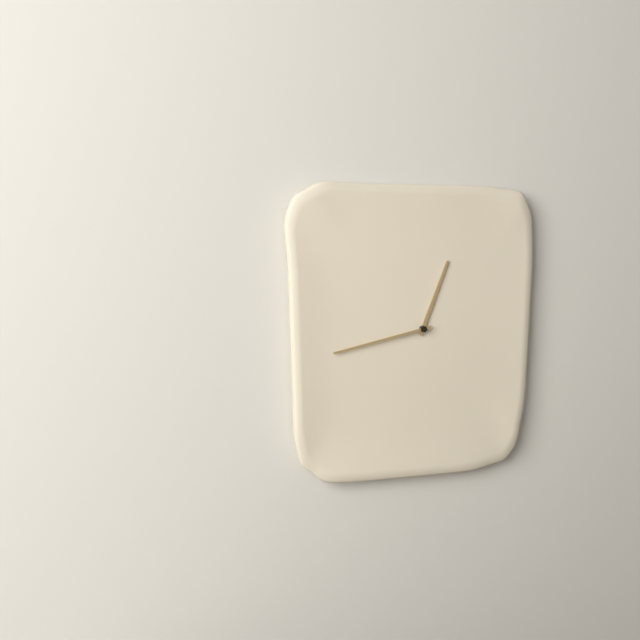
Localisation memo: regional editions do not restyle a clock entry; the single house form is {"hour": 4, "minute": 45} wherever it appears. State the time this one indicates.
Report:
{"hour": 12, "minute": 43}
